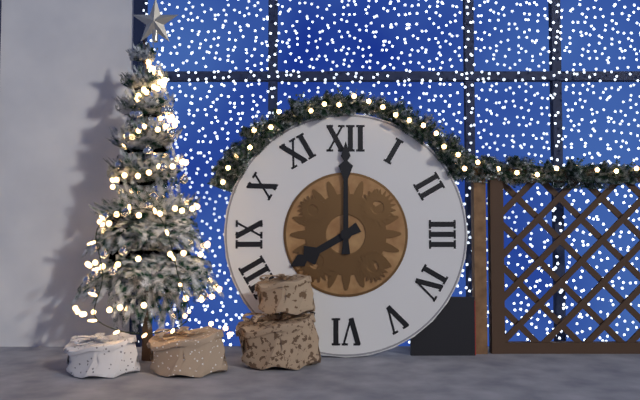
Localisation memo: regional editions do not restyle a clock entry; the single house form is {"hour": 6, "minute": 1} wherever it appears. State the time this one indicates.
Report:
{"hour": 8, "minute": 0}
